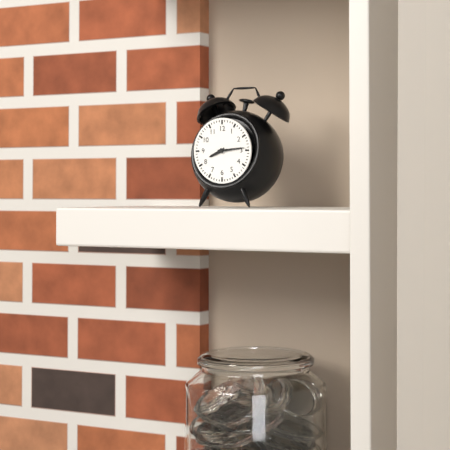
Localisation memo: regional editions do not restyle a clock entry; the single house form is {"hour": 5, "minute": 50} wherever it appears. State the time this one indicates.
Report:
{"hour": 8, "minute": 14}
